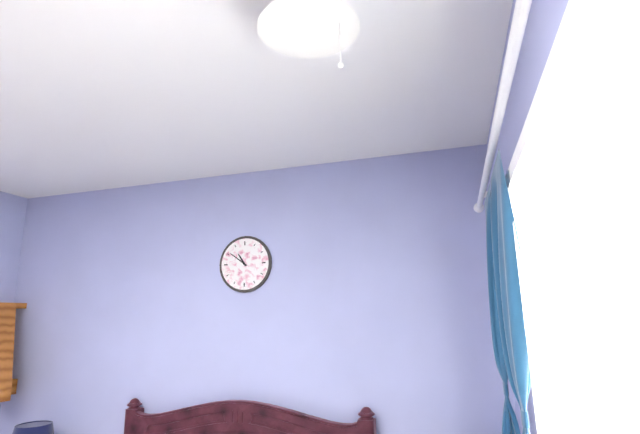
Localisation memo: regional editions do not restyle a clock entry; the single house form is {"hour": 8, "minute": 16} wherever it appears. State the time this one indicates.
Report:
{"hour": 10, "minute": 51}
